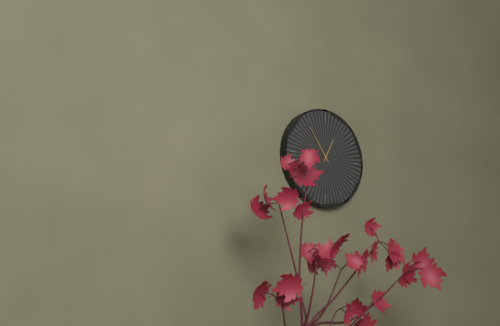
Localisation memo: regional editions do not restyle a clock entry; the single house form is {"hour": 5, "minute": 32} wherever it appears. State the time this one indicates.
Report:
{"hour": 12, "minute": 54}
